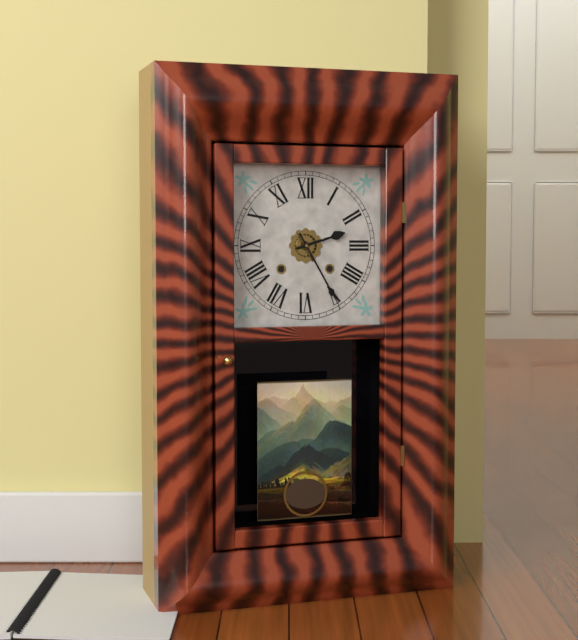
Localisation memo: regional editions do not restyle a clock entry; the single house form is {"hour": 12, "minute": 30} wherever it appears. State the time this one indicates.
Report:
{"hour": 2, "minute": 25}
